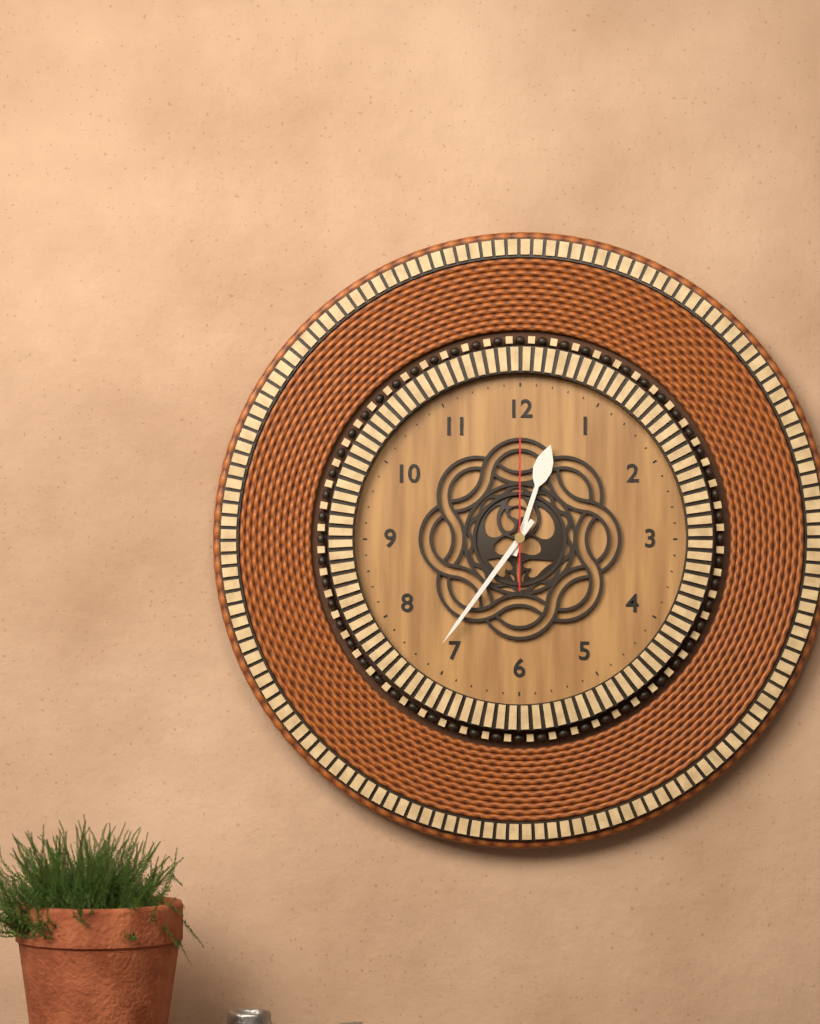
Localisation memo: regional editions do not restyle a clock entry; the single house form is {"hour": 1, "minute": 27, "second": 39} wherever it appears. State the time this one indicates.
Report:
{"hour": 12, "minute": 36, "second": 0}
